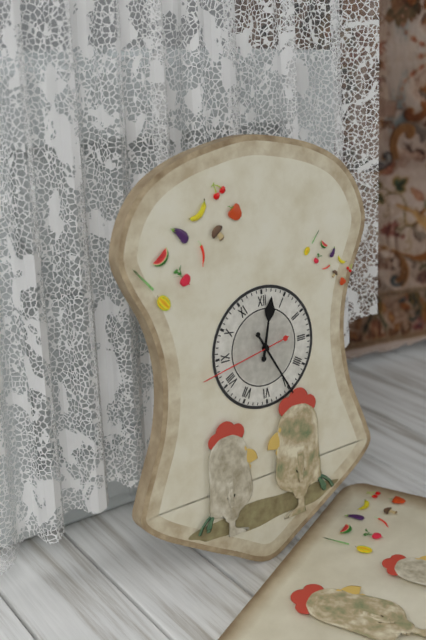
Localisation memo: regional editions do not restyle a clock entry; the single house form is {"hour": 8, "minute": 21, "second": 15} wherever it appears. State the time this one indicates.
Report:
{"hour": 12, "minute": 25, "second": 43}
